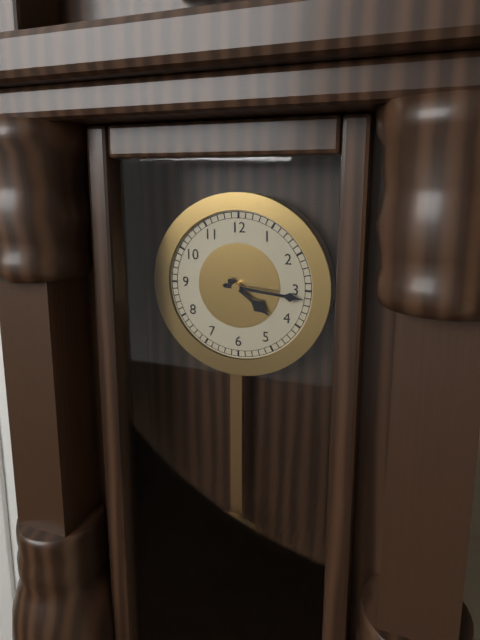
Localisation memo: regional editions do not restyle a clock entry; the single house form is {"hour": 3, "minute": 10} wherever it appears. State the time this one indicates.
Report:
{"hour": 4, "minute": 16}
